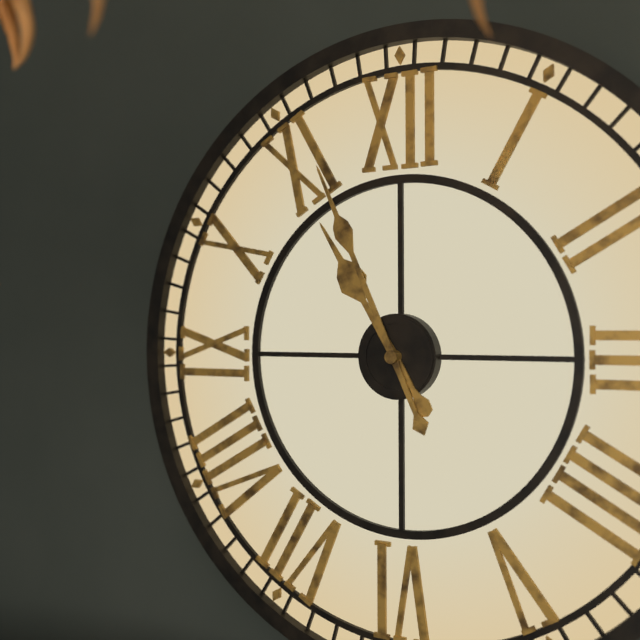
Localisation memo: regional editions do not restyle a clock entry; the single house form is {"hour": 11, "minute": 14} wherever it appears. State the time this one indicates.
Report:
{"hour": 10, "minute": 56}
